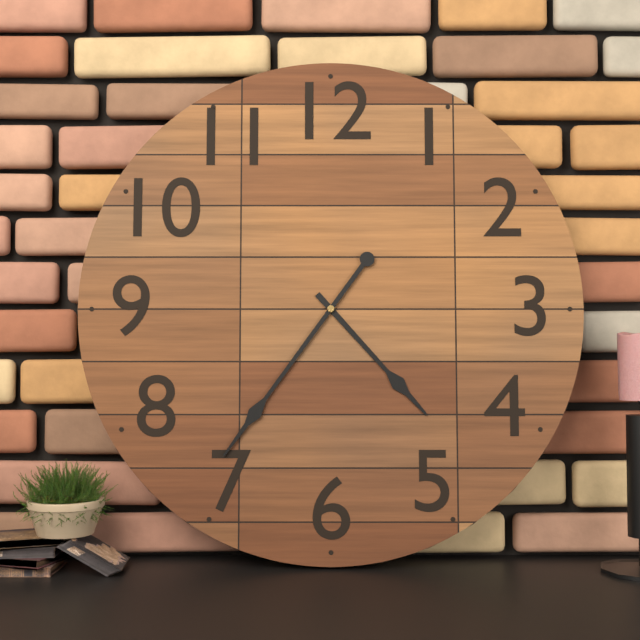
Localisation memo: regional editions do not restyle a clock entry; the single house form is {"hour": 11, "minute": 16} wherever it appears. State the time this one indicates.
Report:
{"hour": 4, "minute": 36}
